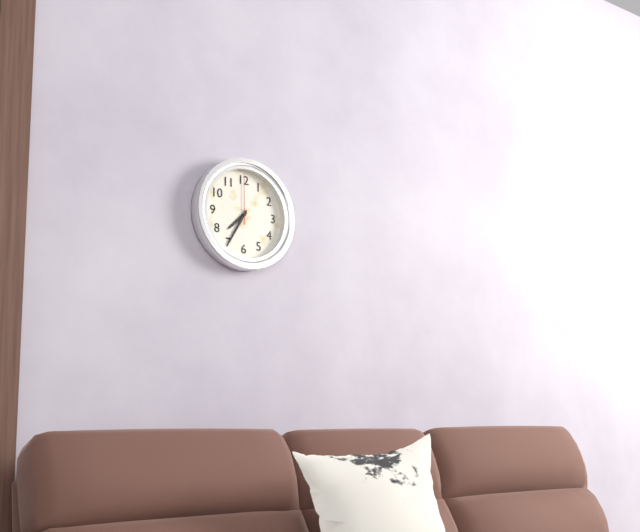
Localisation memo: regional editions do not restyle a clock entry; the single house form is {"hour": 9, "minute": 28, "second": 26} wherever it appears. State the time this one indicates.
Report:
{"hour": 7, "minute": 35, "second": 0}
